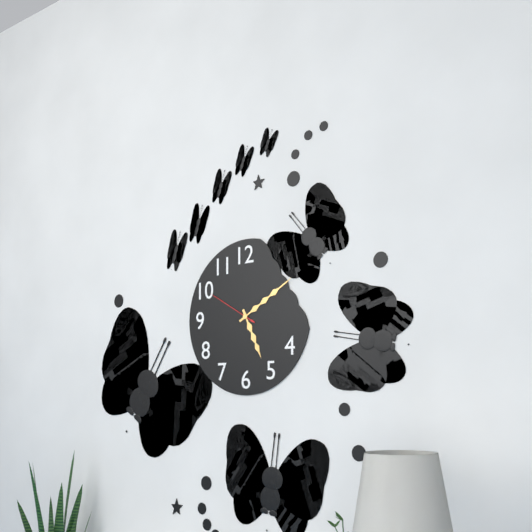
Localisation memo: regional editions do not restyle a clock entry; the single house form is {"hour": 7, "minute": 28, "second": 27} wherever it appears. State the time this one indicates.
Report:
{"hour": 5, "minute": 10, "second": 50}
